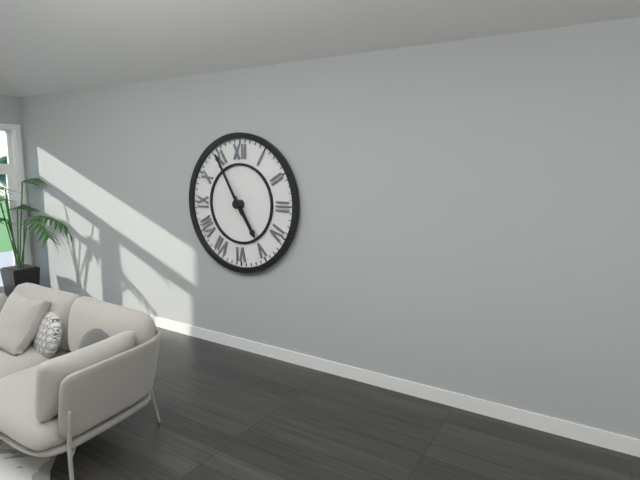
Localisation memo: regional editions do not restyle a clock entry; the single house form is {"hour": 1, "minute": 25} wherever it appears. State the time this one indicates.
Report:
{"hour": 4, "minute": 55}
